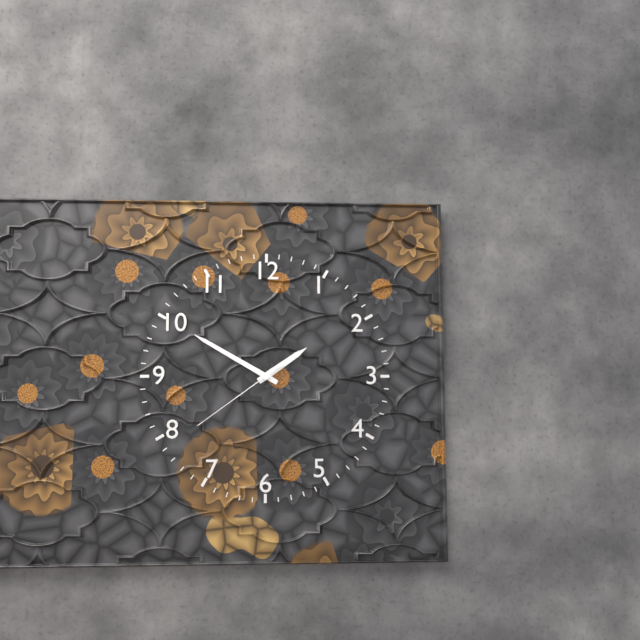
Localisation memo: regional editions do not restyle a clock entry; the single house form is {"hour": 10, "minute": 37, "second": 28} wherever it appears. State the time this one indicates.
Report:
{"hour": 1, "minute": 50, "second": 39}
